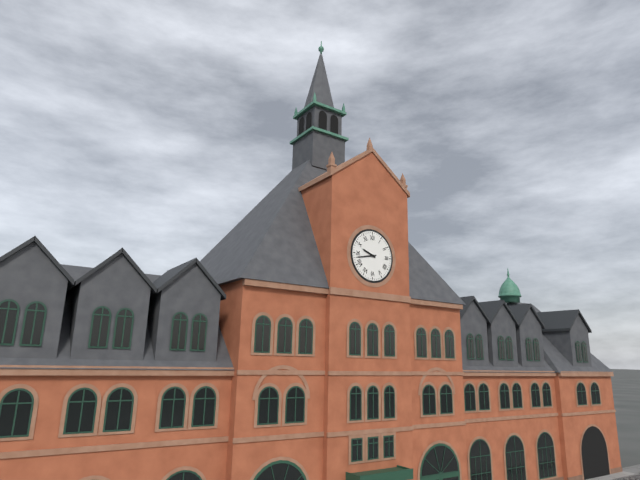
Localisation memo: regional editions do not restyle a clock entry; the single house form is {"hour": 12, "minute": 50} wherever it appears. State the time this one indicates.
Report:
{"hour": 9, "minute": 43}
